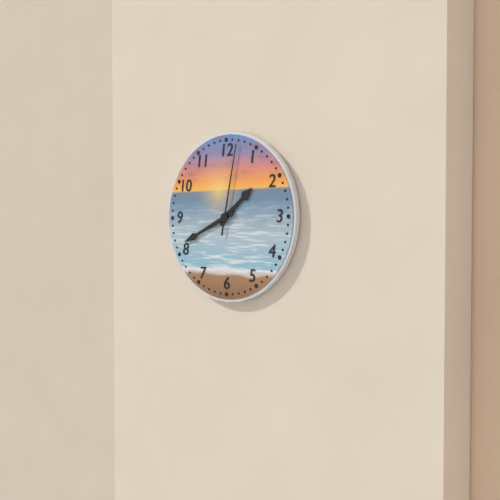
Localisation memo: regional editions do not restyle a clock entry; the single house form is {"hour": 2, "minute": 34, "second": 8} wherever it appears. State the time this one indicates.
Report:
{"hour": 1, "minute": 41, "second": 2}
